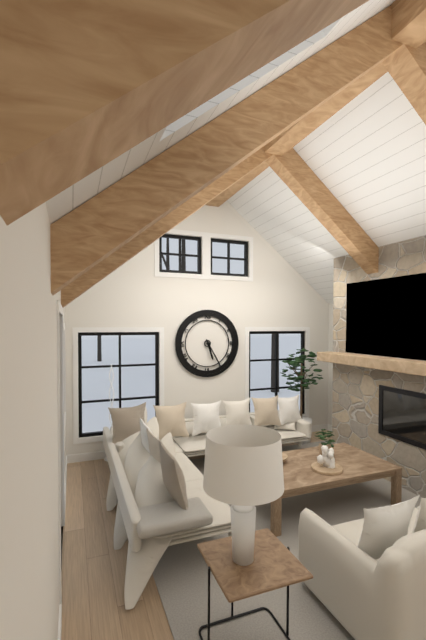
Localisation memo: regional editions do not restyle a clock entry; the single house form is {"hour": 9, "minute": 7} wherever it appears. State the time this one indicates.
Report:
{"hour": 5, "minute": 25}
